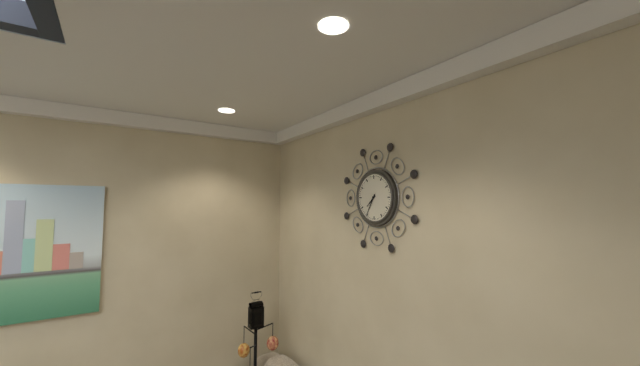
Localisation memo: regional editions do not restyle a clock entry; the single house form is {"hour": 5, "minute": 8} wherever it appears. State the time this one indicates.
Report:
{"hour": 7, "minute": 35}
